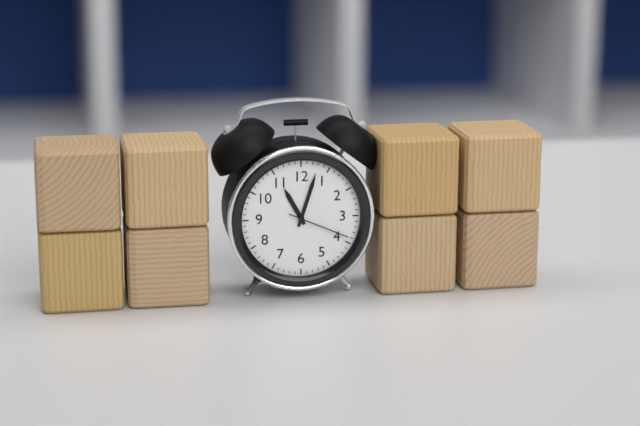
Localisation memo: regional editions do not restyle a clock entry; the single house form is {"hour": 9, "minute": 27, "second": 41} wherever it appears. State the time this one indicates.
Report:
{"hour": 11, "minute": 3, "second": 19}
